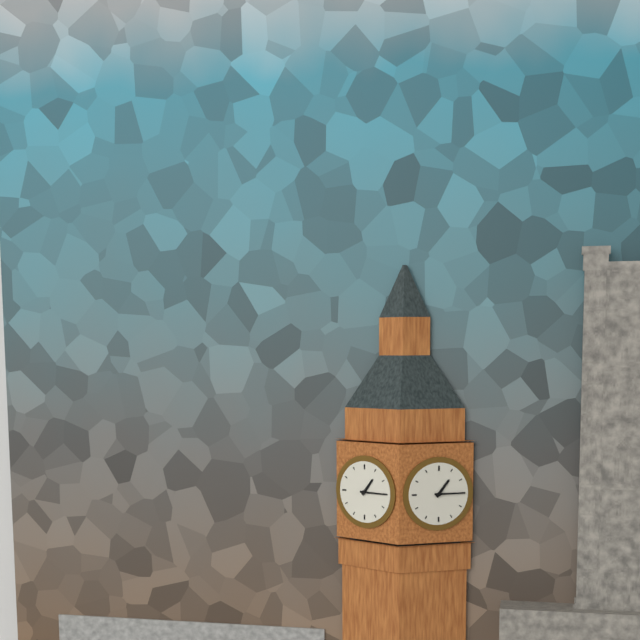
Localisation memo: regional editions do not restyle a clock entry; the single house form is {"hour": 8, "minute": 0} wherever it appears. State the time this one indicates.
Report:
{"hour": 1, "minute": 15}
